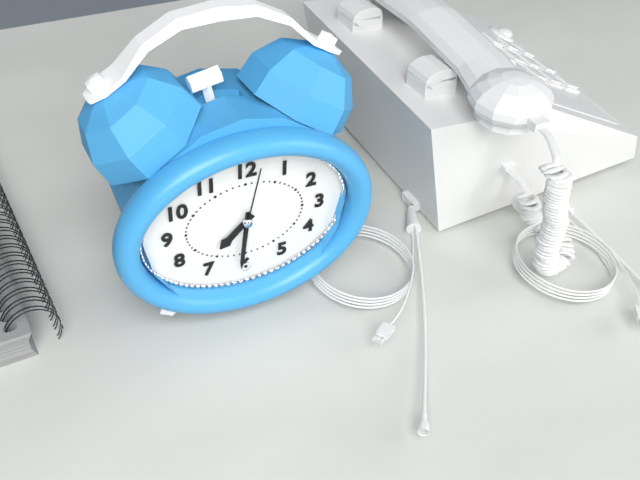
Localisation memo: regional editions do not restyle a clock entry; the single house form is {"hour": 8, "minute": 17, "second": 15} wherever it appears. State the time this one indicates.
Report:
{"hour": 7, "minute": 31, "second": 2}
